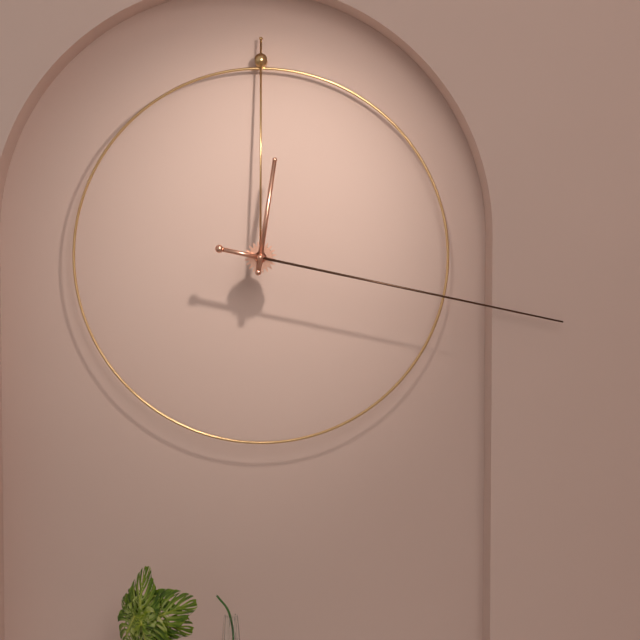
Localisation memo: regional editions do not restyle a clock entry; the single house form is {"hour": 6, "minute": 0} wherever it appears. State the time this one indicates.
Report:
{"hour": 12, "minute": 17}
